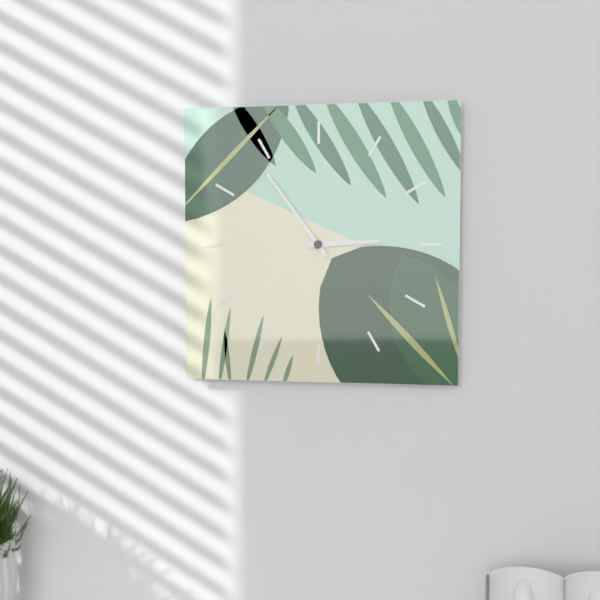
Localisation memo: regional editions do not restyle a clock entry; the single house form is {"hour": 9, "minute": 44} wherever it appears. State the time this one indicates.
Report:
{"hour": 2, "minute": 54}
